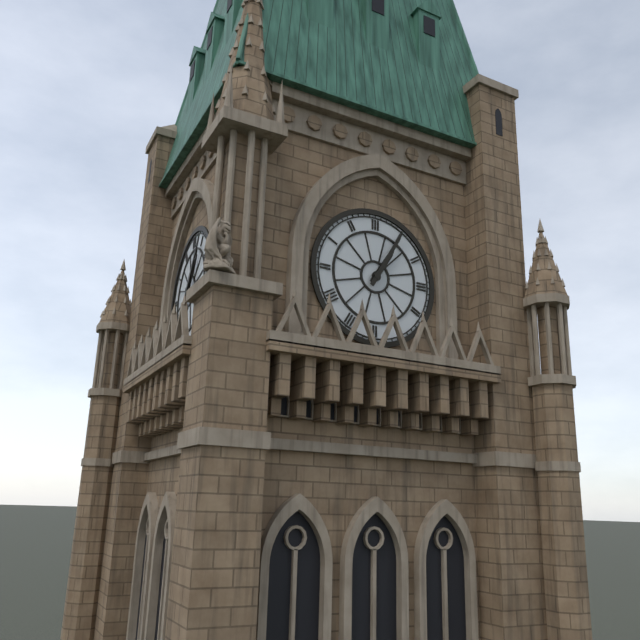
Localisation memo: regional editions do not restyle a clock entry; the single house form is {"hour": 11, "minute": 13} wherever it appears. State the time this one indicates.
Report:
{"hour": 1, "minute": 5}
